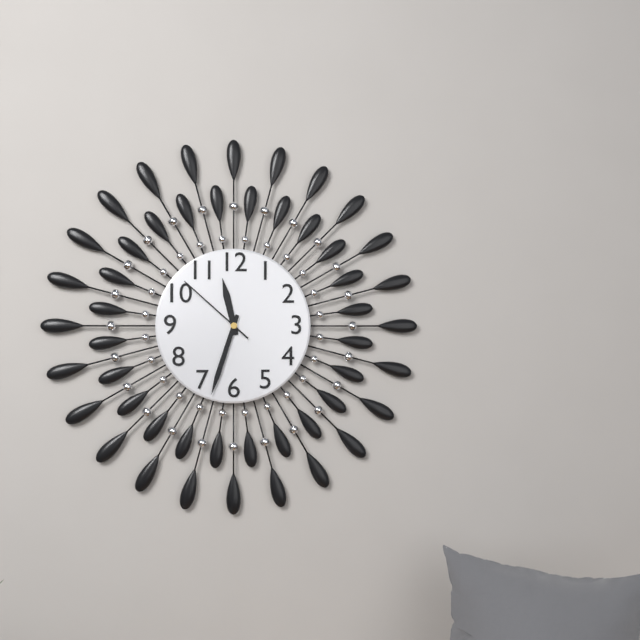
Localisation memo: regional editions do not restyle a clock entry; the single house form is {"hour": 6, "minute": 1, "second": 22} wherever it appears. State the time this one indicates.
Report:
{"hour": 11, "minute": 33, "second": 52}
